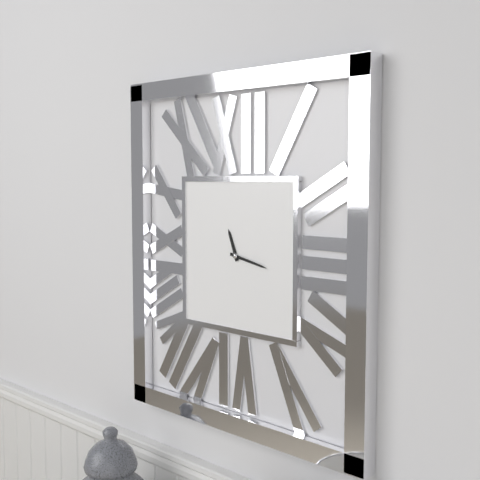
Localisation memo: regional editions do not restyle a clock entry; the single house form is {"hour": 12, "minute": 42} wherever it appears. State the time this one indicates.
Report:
{"hour": 11, "minute": 17}
